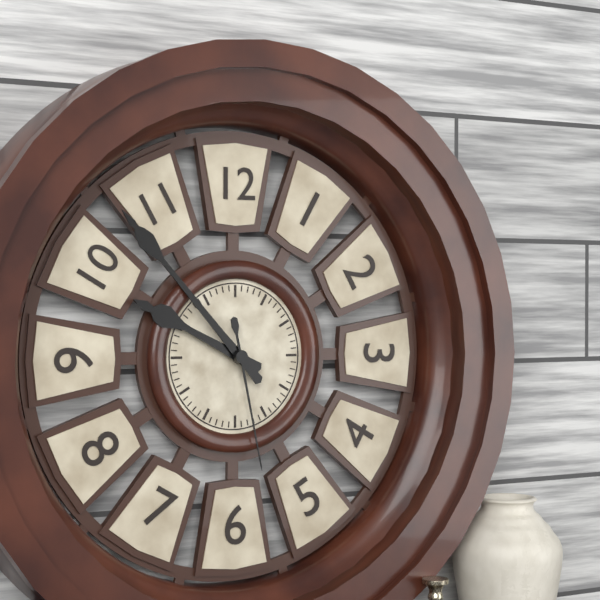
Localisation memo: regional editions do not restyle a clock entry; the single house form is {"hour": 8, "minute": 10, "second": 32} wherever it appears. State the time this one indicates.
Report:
{"hour": 9, "minute": 53, "second": 28}
